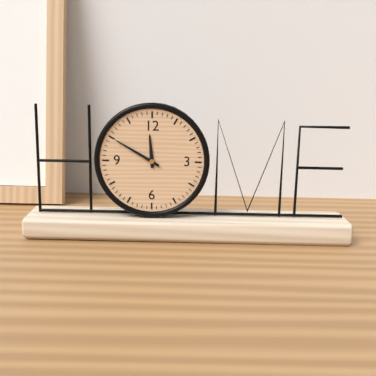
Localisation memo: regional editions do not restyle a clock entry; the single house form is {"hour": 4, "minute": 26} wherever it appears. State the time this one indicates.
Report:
{"hour": 11, "minute": 50}
